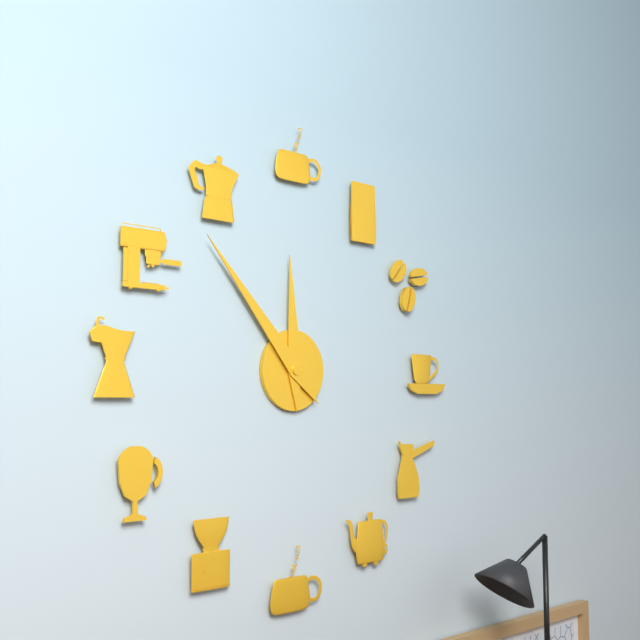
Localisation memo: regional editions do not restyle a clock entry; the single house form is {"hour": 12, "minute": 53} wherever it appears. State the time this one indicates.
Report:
{"hour": 11, "minute": 53}
